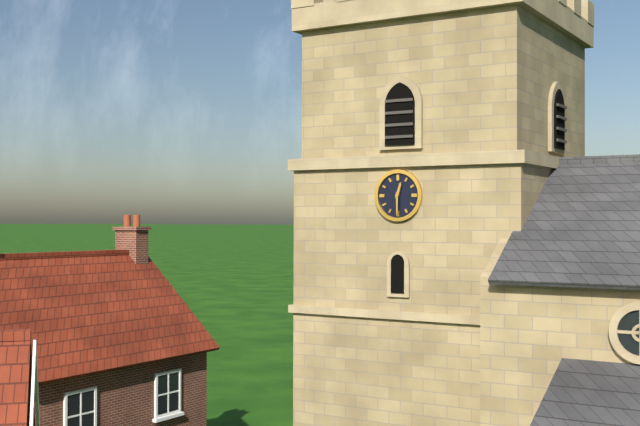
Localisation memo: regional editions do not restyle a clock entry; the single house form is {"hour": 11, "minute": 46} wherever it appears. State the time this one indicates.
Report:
{"hour": 12, "minute": 30}
